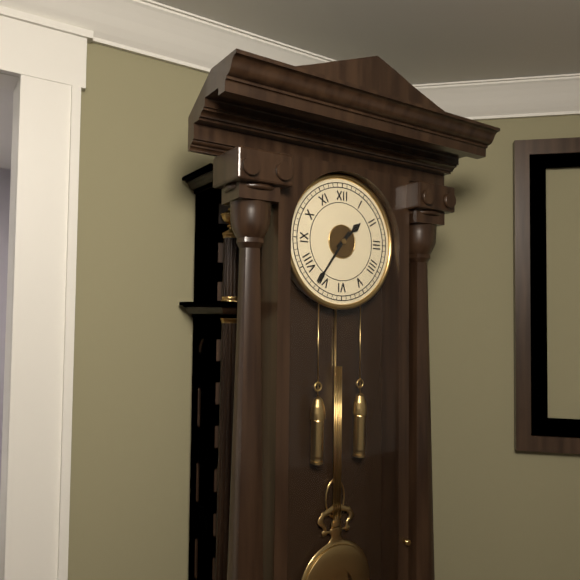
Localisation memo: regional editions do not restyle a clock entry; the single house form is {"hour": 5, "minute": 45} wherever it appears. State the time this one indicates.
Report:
{"hour": 1, "minute": 36}
